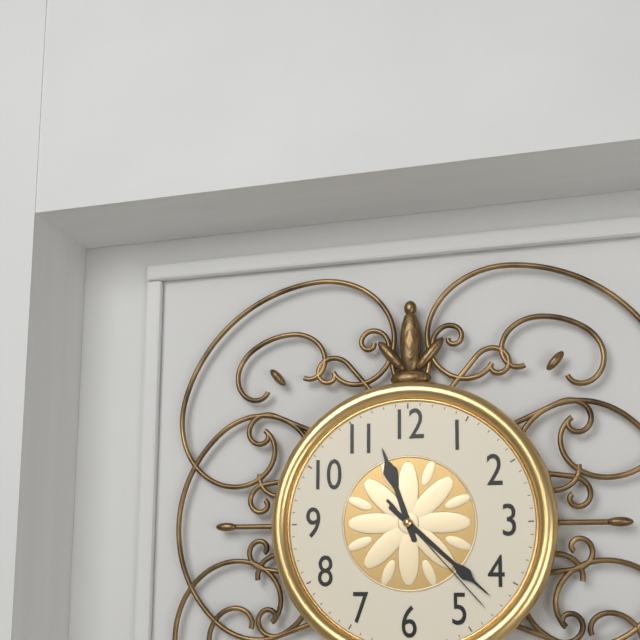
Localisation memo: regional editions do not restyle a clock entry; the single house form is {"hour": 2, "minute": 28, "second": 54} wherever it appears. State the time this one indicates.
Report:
{"hour": 11, "minute": 22, "second": 23}
